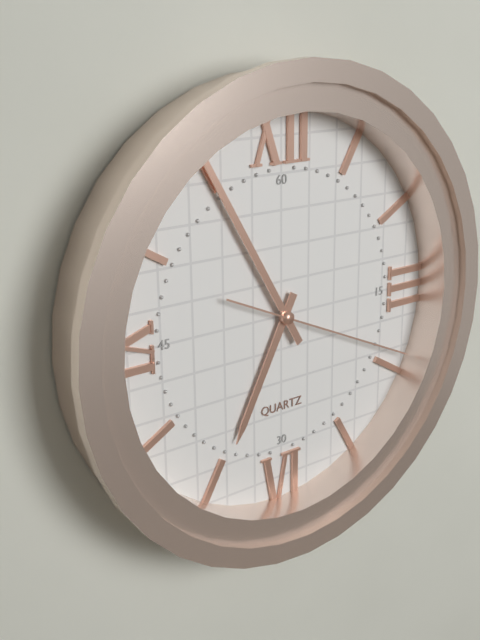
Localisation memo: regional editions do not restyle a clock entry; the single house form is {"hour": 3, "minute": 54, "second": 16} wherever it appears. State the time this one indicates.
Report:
{"hour": 6, "minute": 55, "second": 19}
